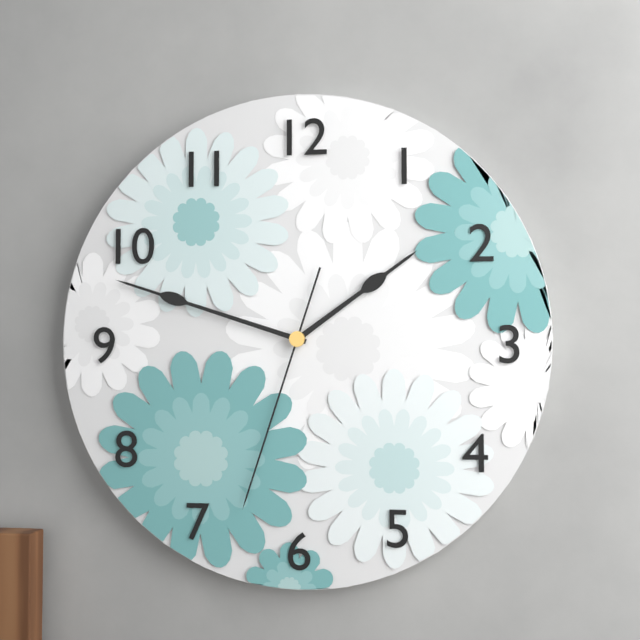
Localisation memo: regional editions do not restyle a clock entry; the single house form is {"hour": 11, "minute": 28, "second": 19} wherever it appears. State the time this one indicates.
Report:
{"hour": 1, "minute": 48, "second": 33}
